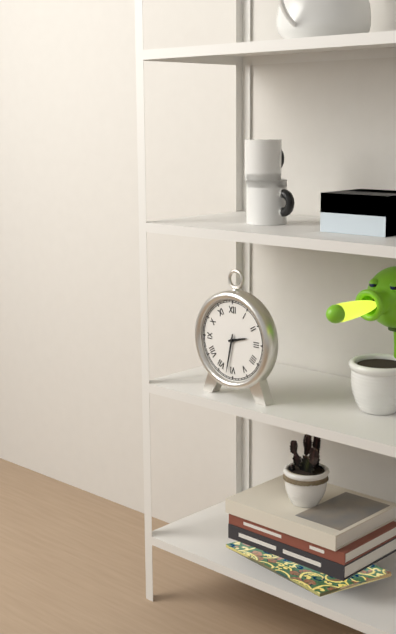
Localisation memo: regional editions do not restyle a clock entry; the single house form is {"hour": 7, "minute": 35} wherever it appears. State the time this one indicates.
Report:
{"hour": 2, "minute": 32}
